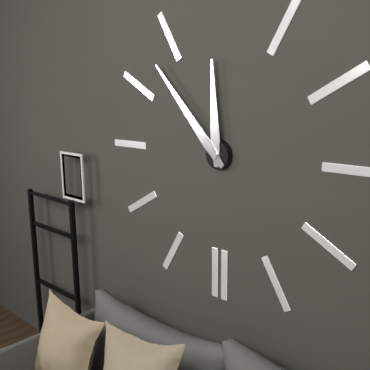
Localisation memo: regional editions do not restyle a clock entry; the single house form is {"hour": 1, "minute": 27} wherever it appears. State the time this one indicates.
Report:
{"hour": 11, "minute": 53}
